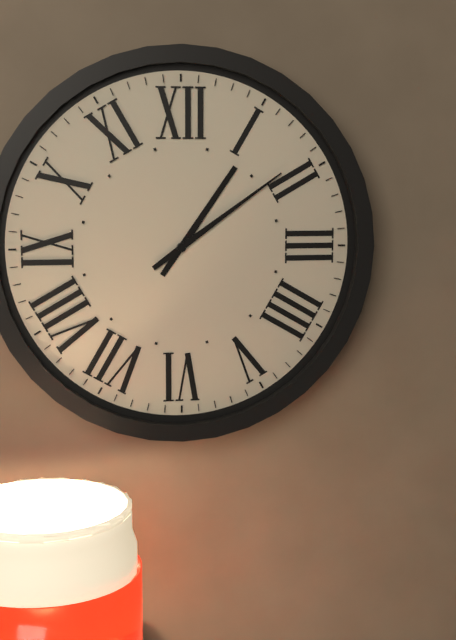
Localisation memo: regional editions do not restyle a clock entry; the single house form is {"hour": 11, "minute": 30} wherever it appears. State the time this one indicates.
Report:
{"hour": 1, "minute": 9}
